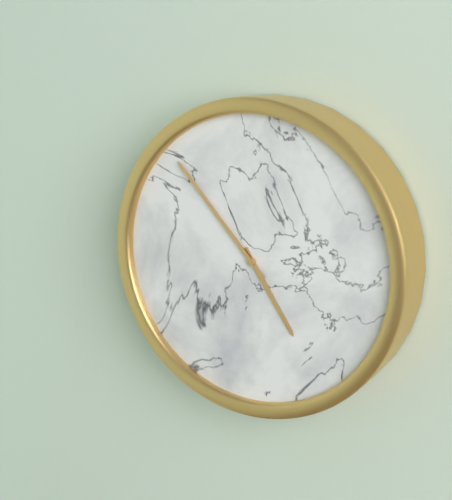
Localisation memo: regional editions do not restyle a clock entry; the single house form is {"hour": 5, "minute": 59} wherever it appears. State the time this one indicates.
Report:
{"hour": 4, "minute": 53}
